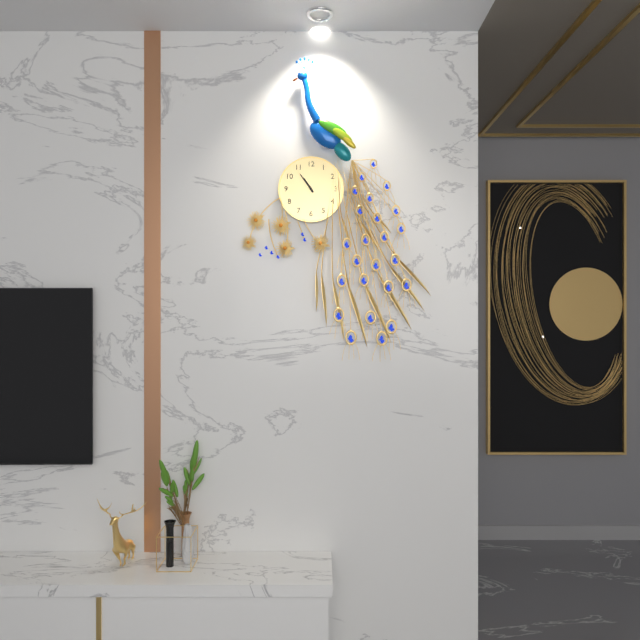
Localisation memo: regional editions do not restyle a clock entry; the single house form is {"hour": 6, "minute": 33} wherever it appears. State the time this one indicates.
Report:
{"hour": 10, "minute": 54}
